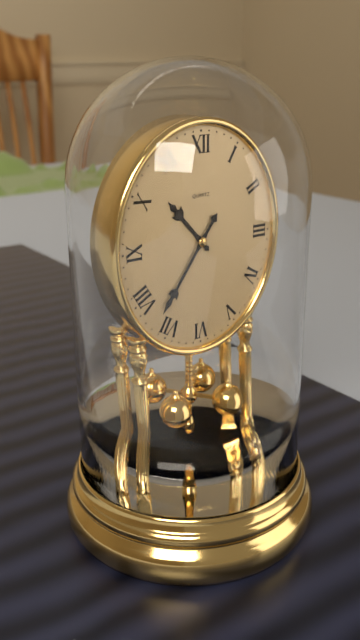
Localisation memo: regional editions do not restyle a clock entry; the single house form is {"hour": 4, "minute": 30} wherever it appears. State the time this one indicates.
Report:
{"hour": 10, "minute": 36}
